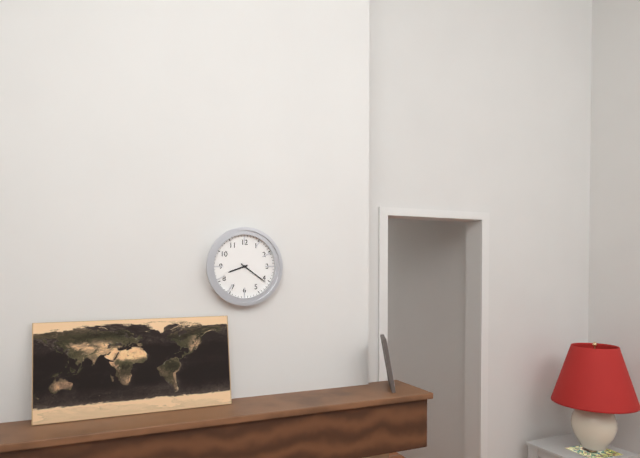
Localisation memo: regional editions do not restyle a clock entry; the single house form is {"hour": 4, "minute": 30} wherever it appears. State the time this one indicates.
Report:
{"hour": 8, "minute": 21}
